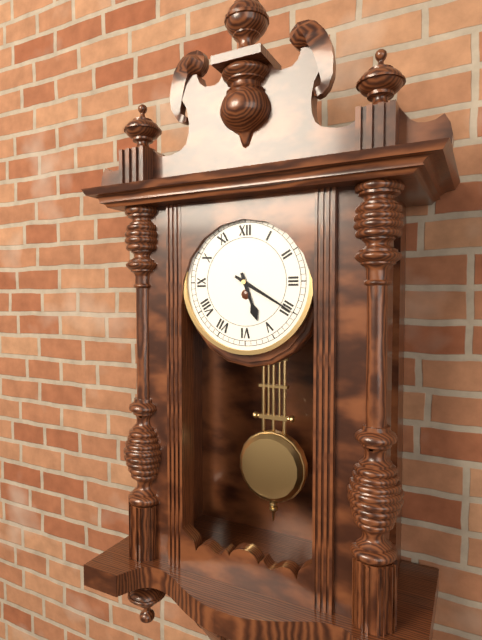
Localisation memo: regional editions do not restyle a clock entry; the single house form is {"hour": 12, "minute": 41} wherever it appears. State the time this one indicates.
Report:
{"hour": 5, "minute": 20}
